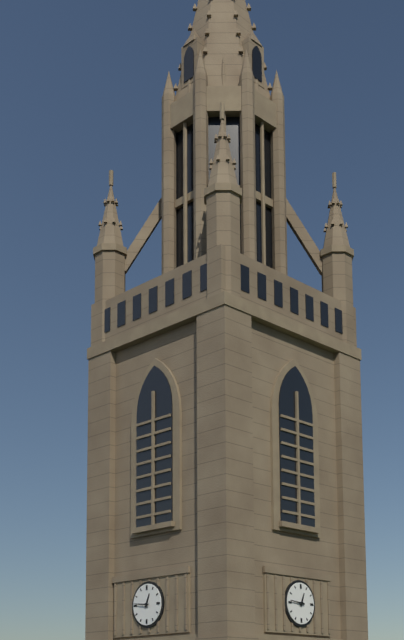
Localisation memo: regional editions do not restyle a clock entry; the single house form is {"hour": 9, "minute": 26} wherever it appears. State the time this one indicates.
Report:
{"hour": 12, "minute": 46}
